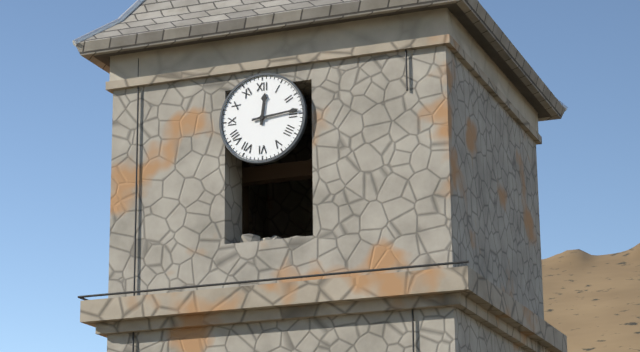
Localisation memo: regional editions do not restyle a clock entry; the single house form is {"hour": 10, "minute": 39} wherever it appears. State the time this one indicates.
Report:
{"hour": 12, "minute": 14}
